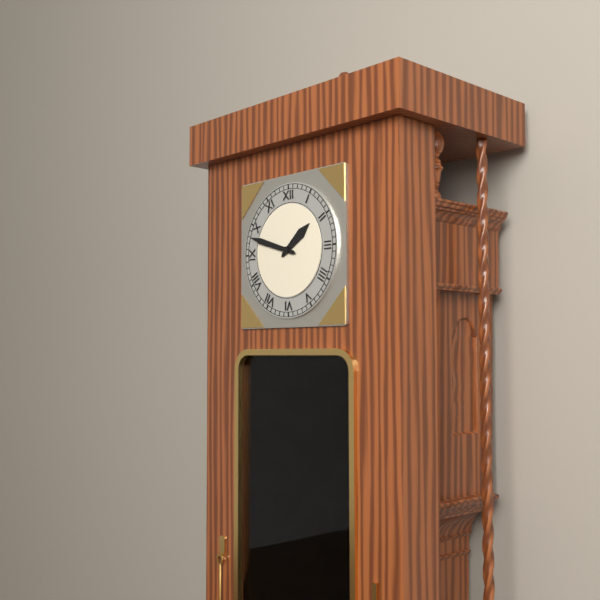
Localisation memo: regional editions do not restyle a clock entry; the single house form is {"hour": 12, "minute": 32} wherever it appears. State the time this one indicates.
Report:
{"hour": 1, "minute": 48}
